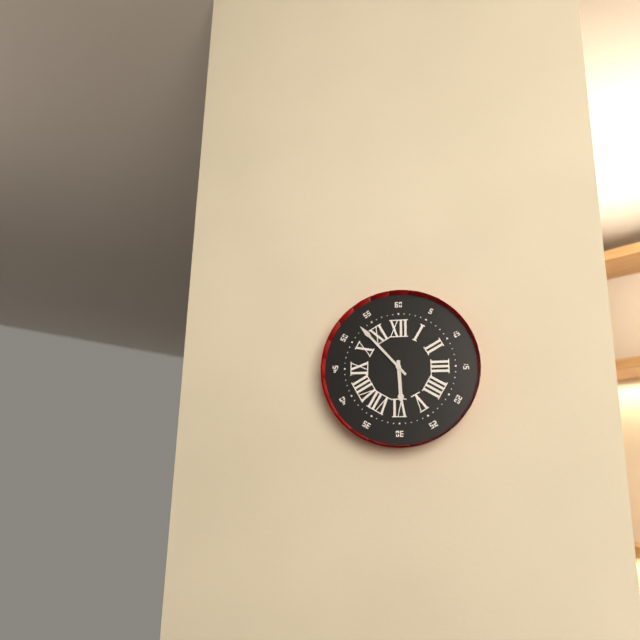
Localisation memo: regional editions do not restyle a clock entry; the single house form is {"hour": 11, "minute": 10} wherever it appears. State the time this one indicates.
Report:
{"hour": 5, "minute": 53}
